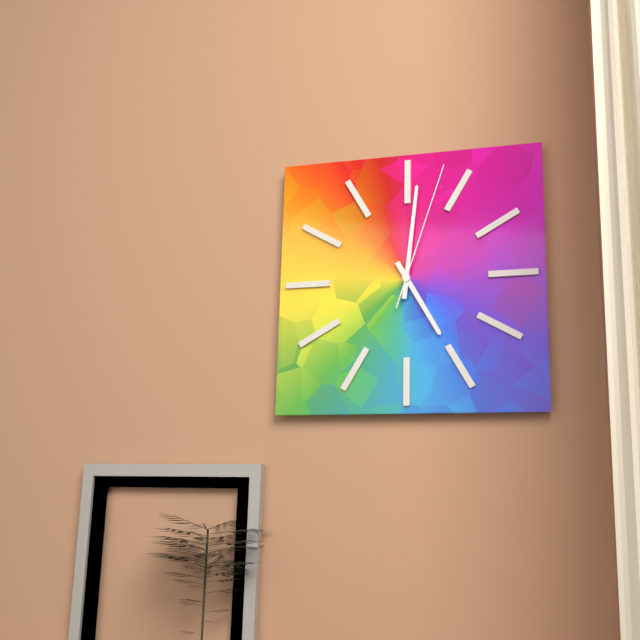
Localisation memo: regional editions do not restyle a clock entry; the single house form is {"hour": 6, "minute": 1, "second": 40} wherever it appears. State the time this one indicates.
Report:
{"hour": 5, "minute": 1, "second": 3}
